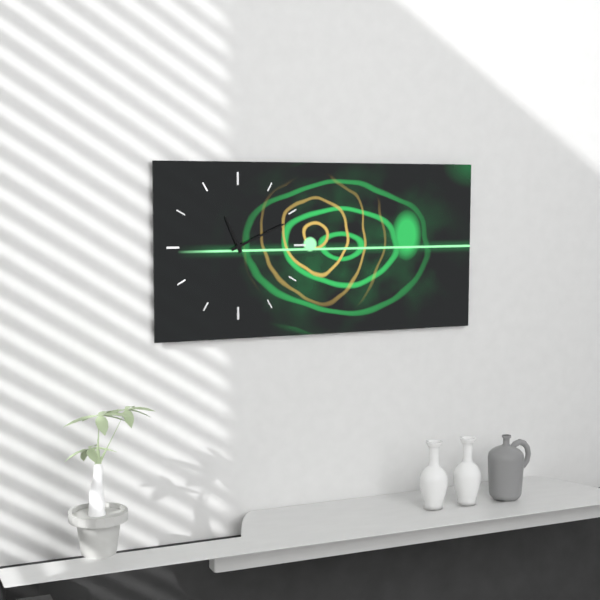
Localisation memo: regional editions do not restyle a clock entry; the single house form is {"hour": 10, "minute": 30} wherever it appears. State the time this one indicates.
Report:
{"hour": 11, "minute": 11}
